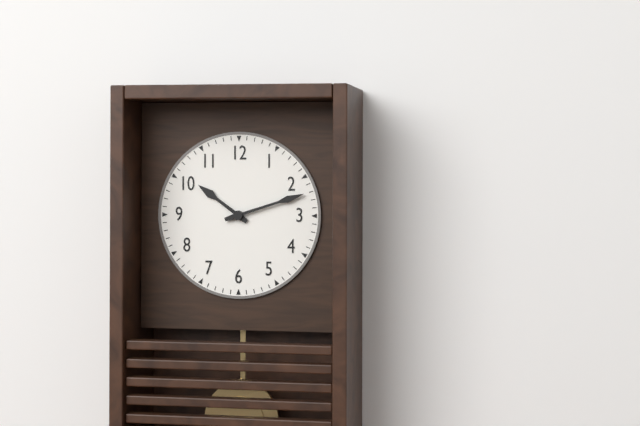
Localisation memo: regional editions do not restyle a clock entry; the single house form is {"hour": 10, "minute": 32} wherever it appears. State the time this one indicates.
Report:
{"hour": 10, "minute": 12}
